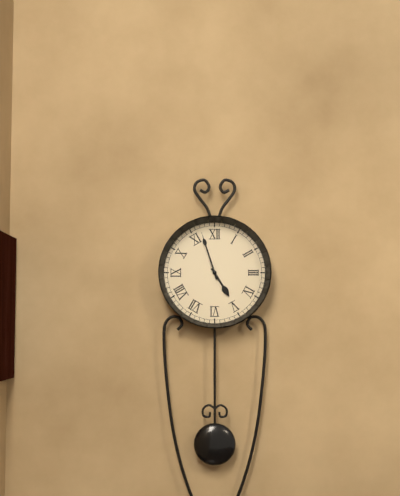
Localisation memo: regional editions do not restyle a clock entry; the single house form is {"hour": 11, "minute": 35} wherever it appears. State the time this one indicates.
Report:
{"hour": 4, "minute": 57}
